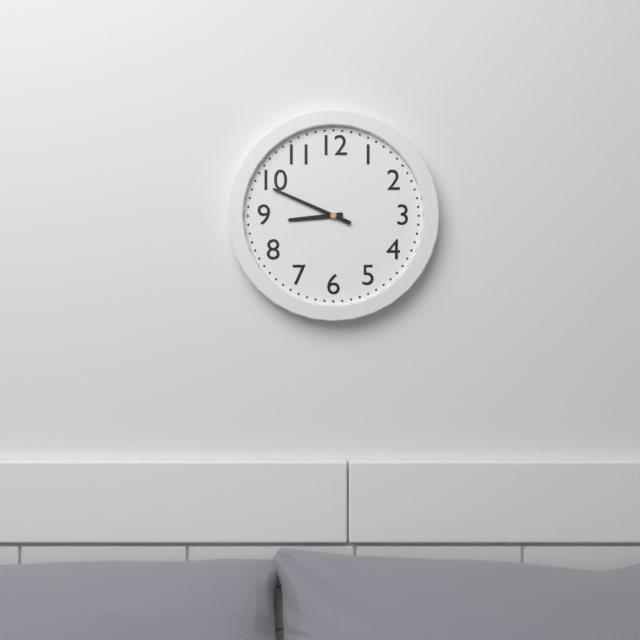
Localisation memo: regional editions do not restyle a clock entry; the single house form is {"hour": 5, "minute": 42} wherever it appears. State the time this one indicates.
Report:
{"hour": 8, "minute": 49}
